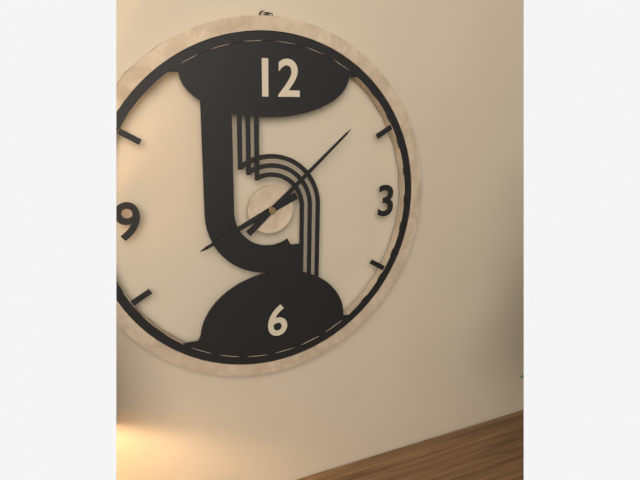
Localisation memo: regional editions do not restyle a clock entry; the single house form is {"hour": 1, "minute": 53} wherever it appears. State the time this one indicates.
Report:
{"hour": 8, "minute": 8}
